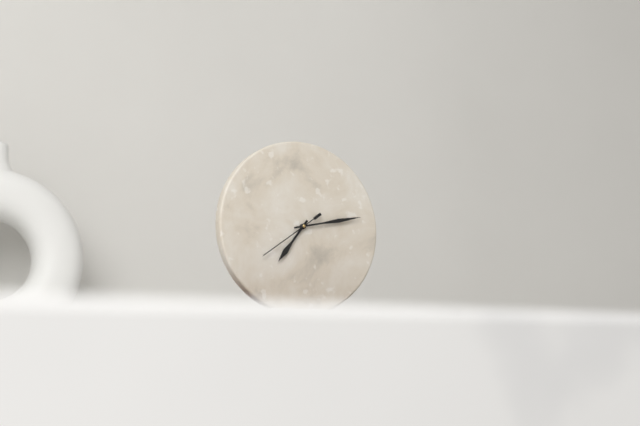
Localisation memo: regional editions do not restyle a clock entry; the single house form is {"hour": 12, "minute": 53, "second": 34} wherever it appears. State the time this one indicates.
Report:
{"hour": 7, "minute": 13, "second": 39}
